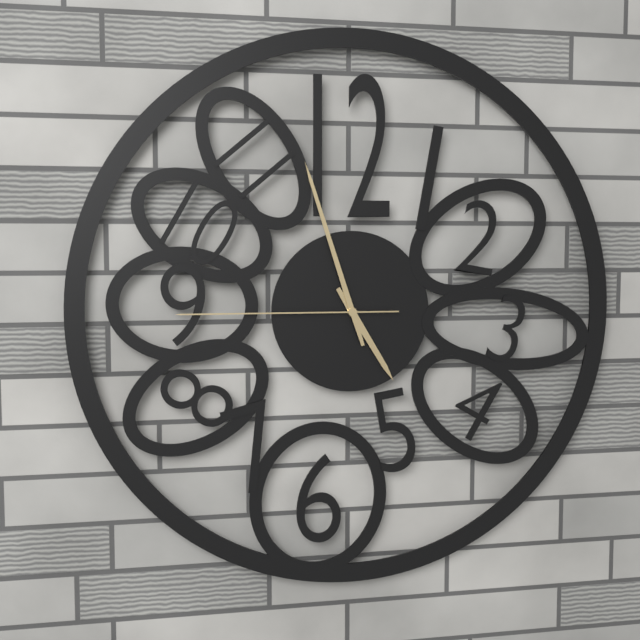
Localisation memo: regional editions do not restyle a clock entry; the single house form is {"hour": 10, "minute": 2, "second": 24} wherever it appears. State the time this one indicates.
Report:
{"hour": 4, "minute": 57, "second": 45}
